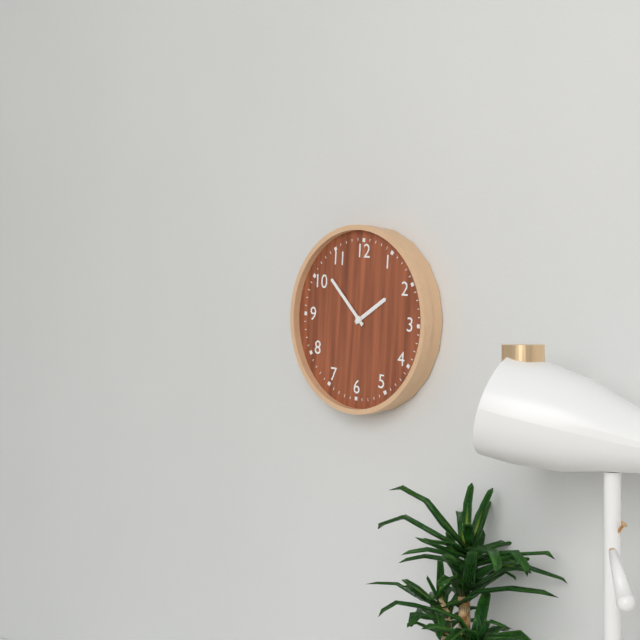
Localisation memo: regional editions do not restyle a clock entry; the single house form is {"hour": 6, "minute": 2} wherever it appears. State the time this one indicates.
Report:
{"hour": 1, "minute": 52}
